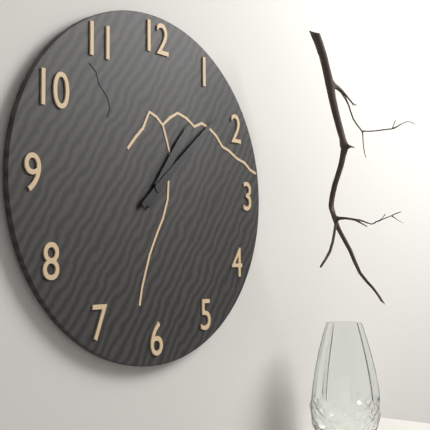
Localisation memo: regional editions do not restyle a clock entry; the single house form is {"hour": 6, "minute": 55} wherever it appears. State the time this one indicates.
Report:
{"hour": 1, "minute": 8}
